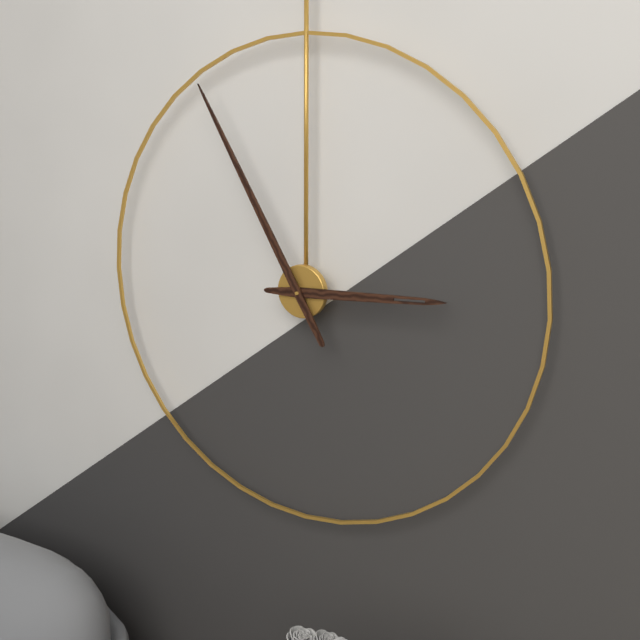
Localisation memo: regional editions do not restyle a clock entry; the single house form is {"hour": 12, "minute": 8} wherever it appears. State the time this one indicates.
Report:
{"hour": 2, "minute": 55}
